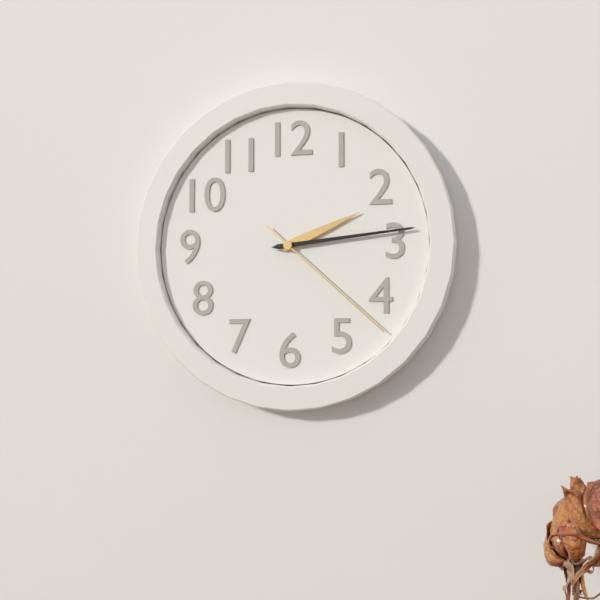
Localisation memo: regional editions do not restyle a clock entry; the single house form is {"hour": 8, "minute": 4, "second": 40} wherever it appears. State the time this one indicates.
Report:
{"hour": 2, "minute": 14, "second": 22}
